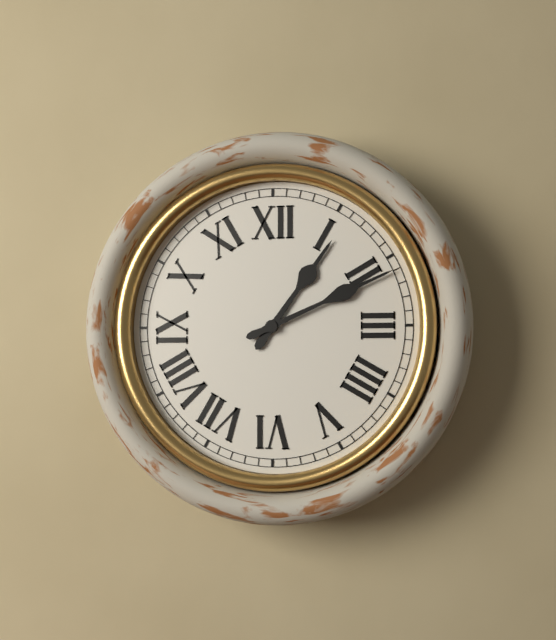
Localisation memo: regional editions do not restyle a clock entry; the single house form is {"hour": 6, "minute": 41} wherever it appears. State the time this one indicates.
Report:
{"hour": 1, "minute": 11}
